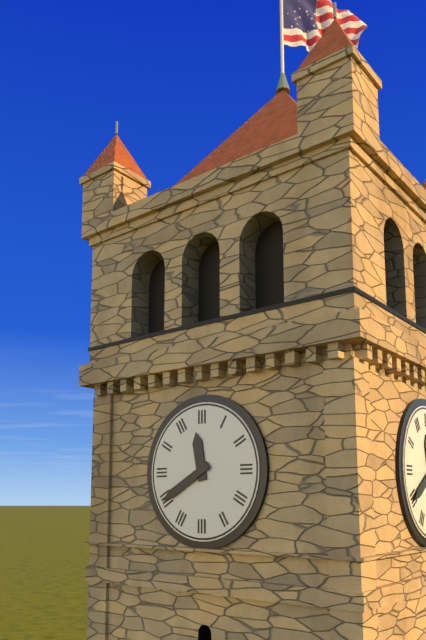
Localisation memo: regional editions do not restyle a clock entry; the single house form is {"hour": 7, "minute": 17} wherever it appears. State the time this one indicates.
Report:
{"hour": 11, "minute": 40}
